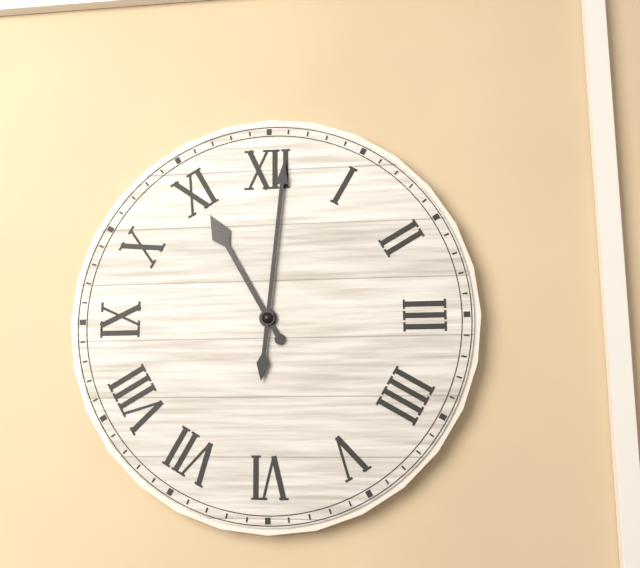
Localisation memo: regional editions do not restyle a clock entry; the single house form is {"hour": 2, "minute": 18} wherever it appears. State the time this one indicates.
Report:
{"hour": 11, "minute": 1}
